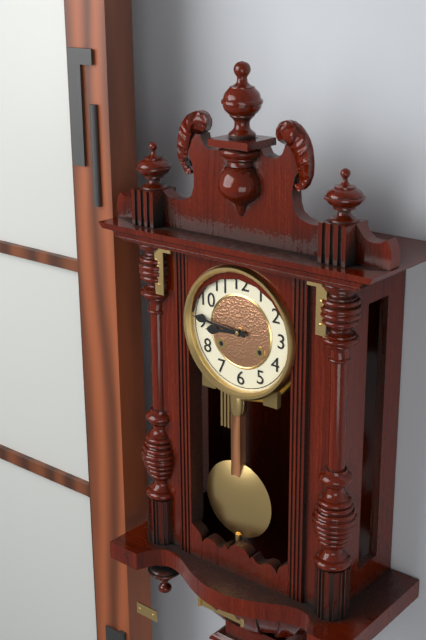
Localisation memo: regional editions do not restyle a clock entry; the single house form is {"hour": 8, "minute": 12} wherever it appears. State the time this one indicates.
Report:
{"hour": 8, "minute": 46}
